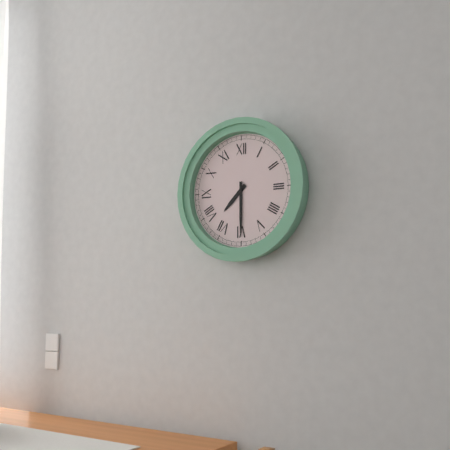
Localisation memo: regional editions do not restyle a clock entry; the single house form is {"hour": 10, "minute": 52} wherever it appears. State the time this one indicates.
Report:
{"hour": 7, "minute": 30}
